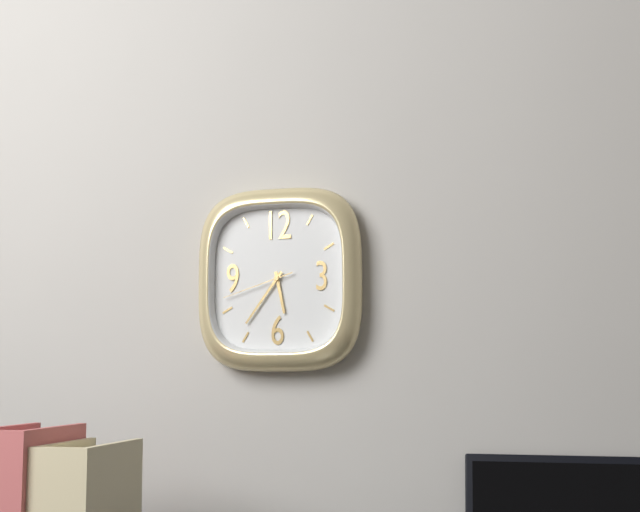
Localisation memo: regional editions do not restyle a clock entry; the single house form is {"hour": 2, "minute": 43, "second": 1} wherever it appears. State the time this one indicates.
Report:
{"hour": 5, "minute": 36, "second": 42}
